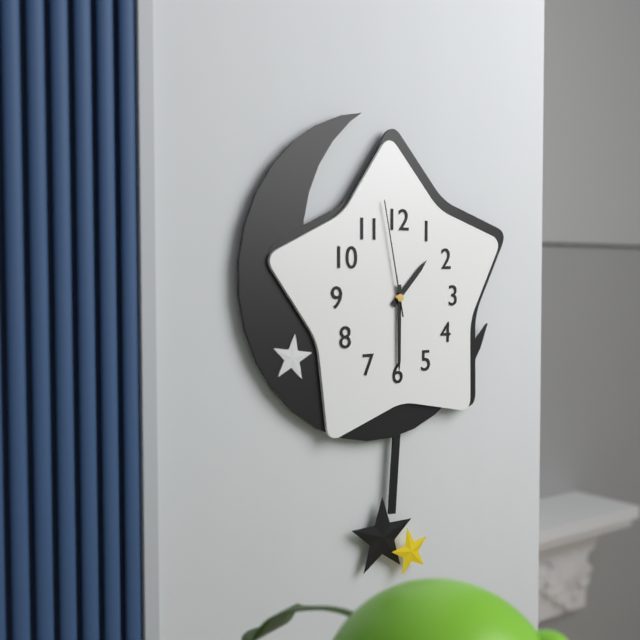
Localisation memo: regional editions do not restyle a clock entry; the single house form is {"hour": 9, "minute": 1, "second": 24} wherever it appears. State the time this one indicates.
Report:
{"hour": 1, "minute": 30, "second": 58}
